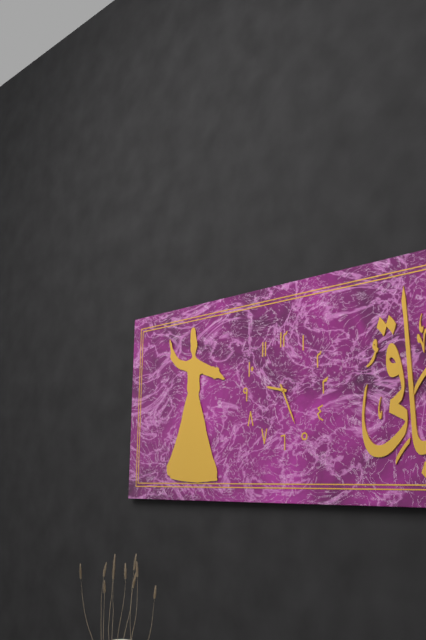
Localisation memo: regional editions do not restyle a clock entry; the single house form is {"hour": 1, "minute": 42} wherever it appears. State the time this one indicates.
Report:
{"hour": 9, "minute": 26}
